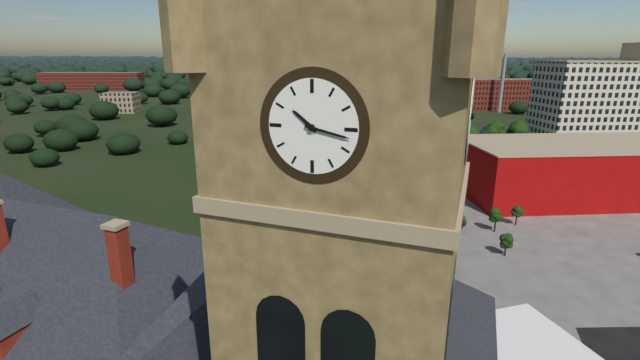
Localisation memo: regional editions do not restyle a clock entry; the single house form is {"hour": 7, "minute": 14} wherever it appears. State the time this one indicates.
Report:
{"hour": 10, "minute": 17}
